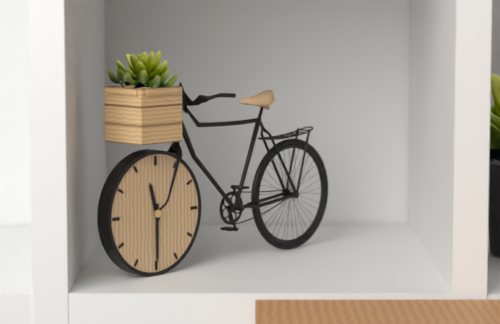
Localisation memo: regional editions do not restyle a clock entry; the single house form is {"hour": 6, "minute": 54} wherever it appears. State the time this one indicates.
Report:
{"hour": 11, "minute": 30}
